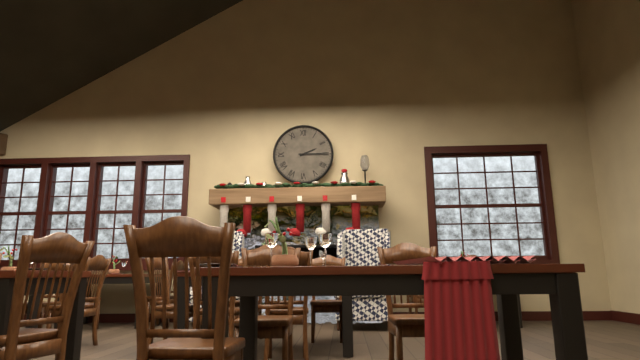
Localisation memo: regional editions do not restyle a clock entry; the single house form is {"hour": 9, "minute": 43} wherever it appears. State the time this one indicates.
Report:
{"hour": 2, "minute": 15}
